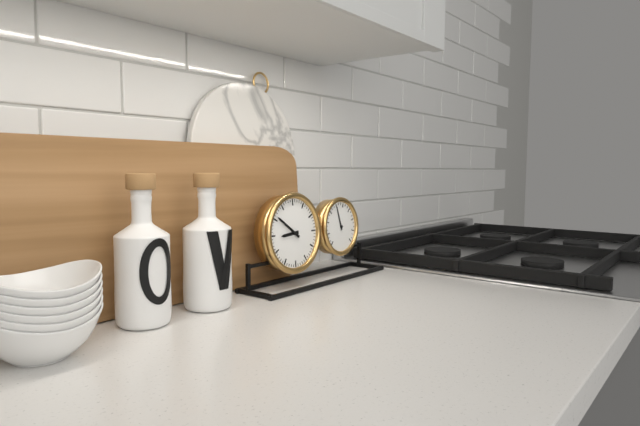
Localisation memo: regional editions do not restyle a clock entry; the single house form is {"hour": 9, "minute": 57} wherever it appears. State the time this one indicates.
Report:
{"hour": 8, "minute": 51}
